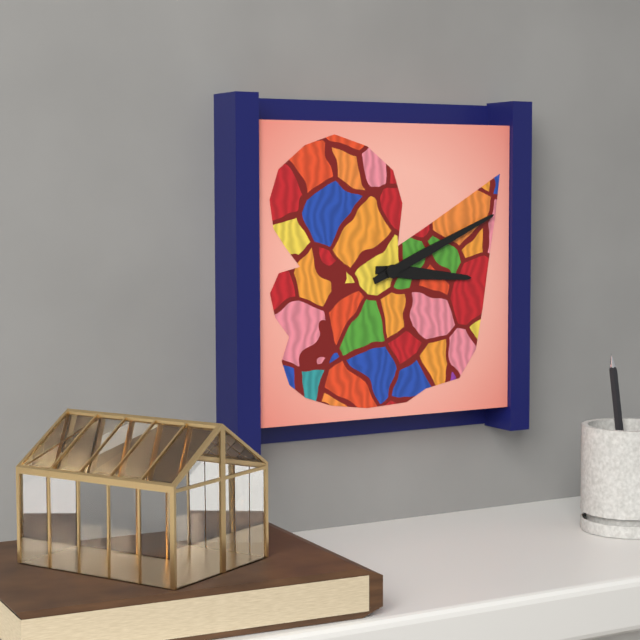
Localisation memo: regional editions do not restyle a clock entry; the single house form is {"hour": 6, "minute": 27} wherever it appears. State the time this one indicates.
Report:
{"hour": 3, "minute": 11}
